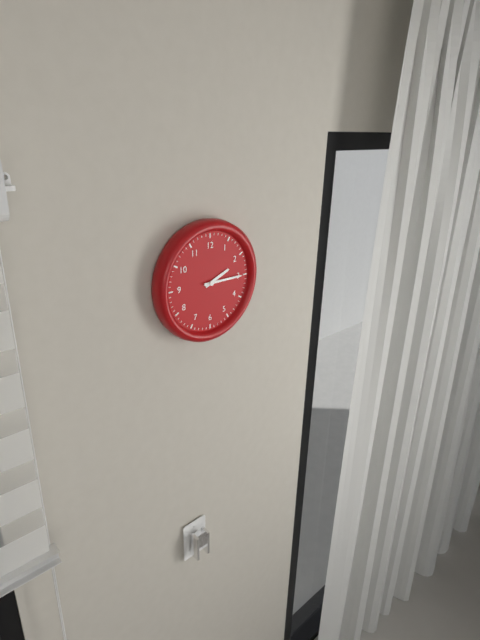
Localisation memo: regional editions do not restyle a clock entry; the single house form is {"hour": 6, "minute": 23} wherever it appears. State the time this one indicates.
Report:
{"hour": 2, "minute": 15}
